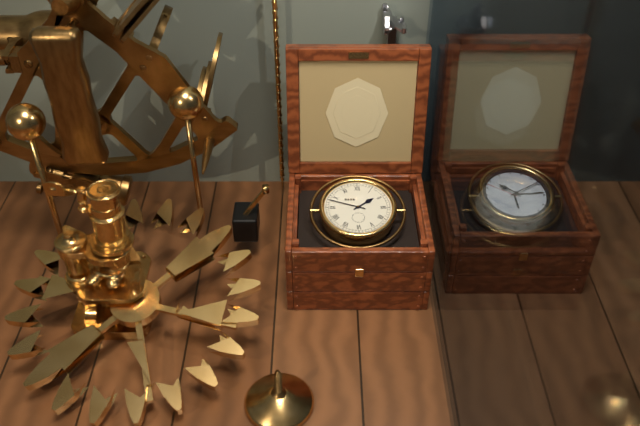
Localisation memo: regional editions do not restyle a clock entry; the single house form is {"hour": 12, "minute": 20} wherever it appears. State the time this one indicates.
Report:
{"hour": 1, "minute": 48}
